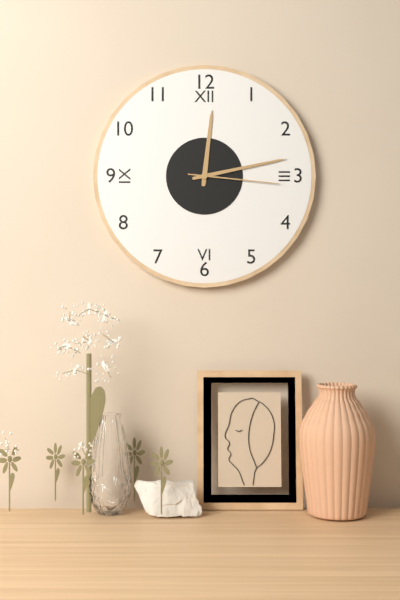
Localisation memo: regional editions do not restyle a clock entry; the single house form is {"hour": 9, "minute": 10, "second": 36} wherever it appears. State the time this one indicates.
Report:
{"hour": 12, "minute": 13, "second": 16}
